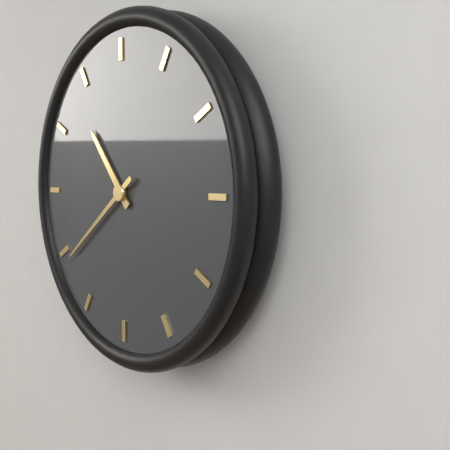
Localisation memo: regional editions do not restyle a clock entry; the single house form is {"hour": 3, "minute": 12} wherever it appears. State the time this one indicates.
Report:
{"hour": 10, "minute": 39}
